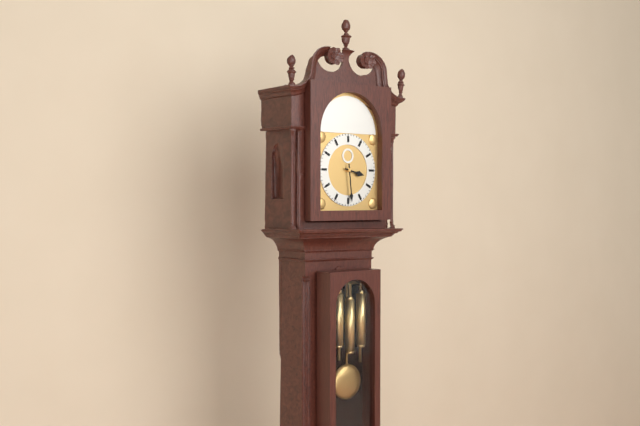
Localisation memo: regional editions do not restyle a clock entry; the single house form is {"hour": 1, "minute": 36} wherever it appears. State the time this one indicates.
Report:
{"hour": 3, "minute": 29}
